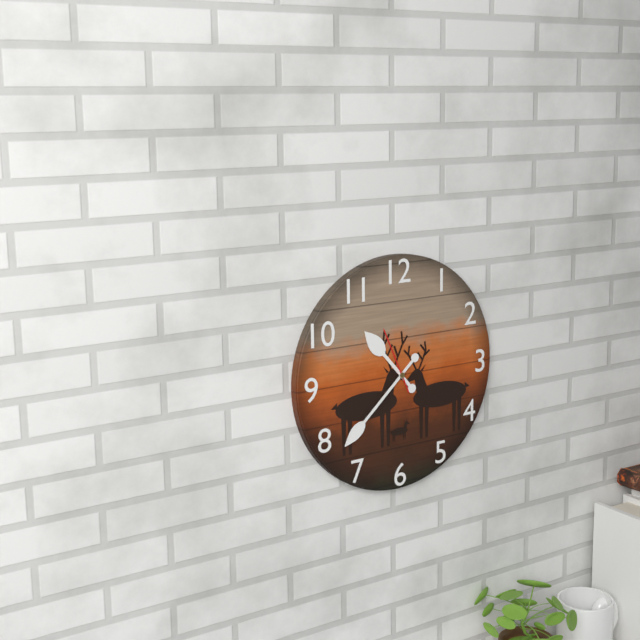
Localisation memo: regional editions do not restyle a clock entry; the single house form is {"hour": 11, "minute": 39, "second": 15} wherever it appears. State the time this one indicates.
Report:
{"hour": 10, "minute": 38, "second": 56}
